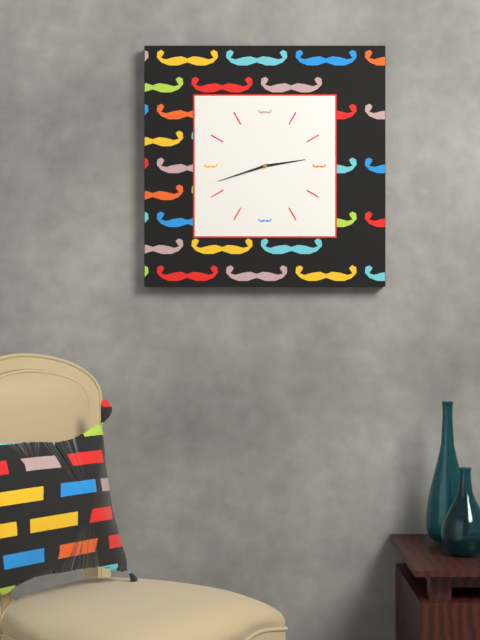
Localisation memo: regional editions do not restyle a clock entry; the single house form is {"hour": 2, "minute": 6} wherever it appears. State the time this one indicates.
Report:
{"hour": 2, "minute": 42}
